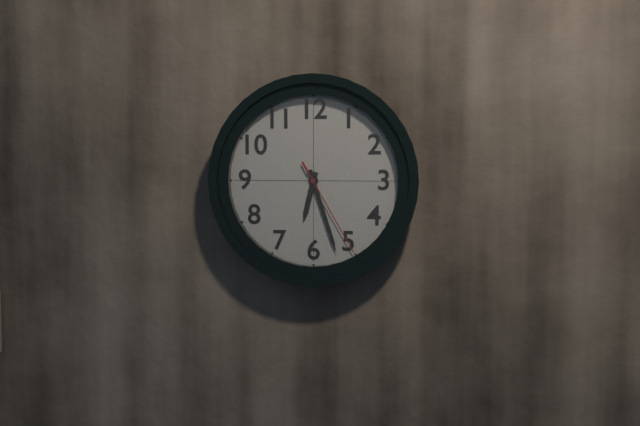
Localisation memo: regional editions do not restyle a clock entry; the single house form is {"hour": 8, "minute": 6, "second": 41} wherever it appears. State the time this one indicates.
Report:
{"hour": 6, "minute": 27, "second": 25}
